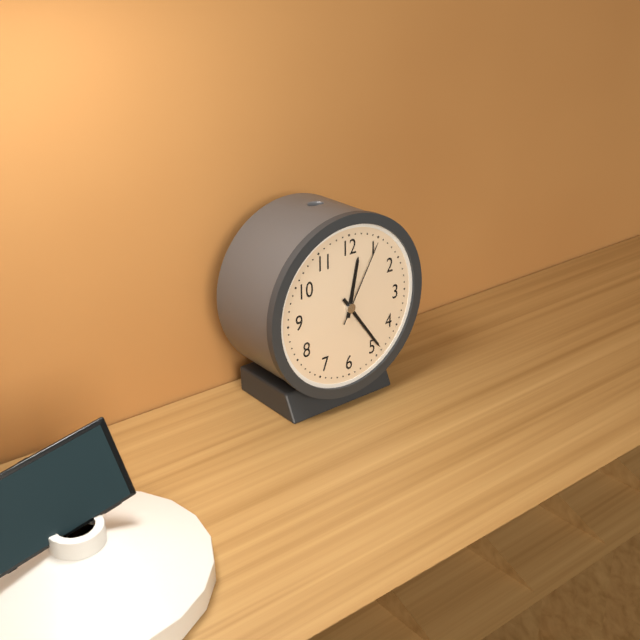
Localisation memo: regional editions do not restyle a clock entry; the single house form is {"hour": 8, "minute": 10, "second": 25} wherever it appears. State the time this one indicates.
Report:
{"hour": 12, "minute": 24, "second": 5}
